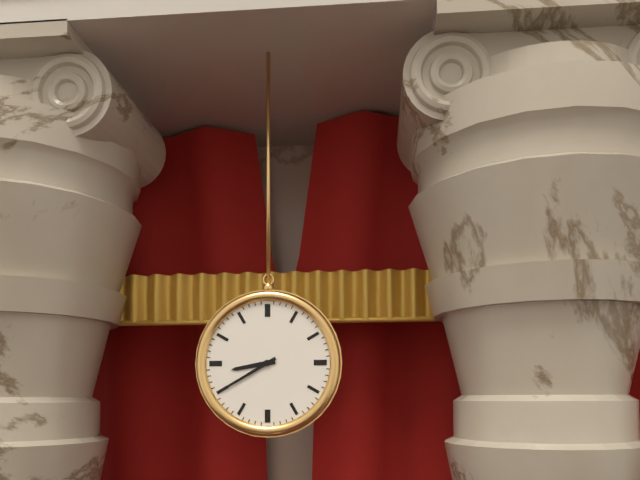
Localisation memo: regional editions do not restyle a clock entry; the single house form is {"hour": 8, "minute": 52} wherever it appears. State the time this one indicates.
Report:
{"hour": 8, "minute": 40}
